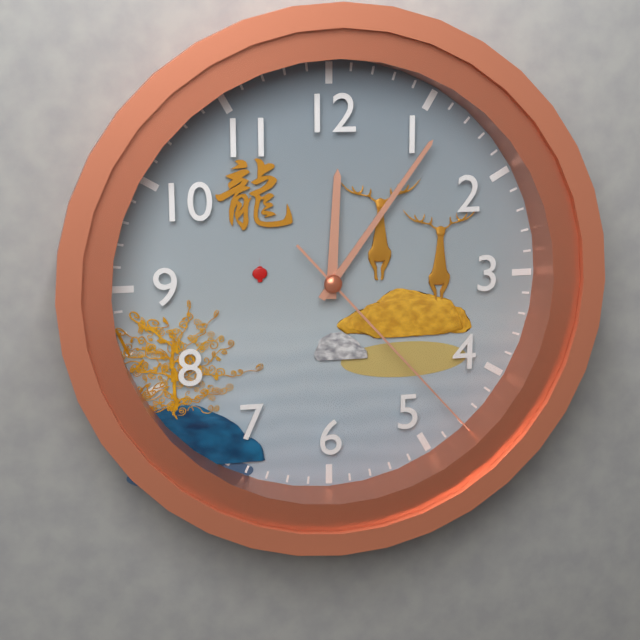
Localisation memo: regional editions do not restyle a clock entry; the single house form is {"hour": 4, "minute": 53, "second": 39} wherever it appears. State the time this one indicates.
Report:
{"hour": 12, "minute": 6, "second": 23}
